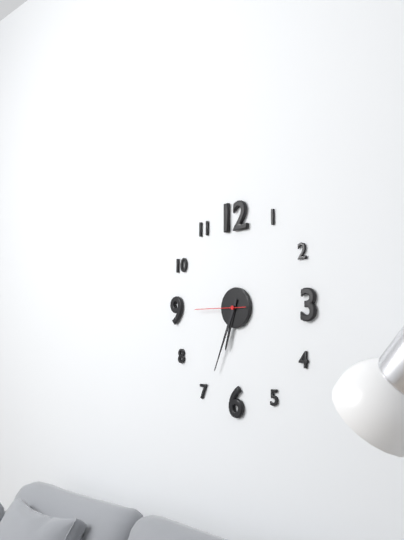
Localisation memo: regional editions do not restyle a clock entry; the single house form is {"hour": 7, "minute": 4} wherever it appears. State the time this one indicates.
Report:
{"hour": 6, "minute": 34}
